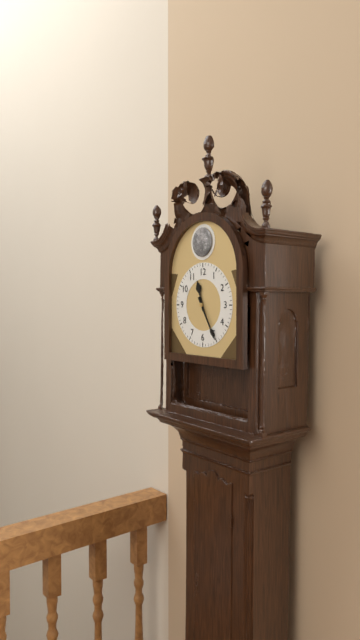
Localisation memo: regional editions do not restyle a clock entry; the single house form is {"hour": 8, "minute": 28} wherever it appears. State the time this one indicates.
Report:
{"hour": 11, "minute": 25}
